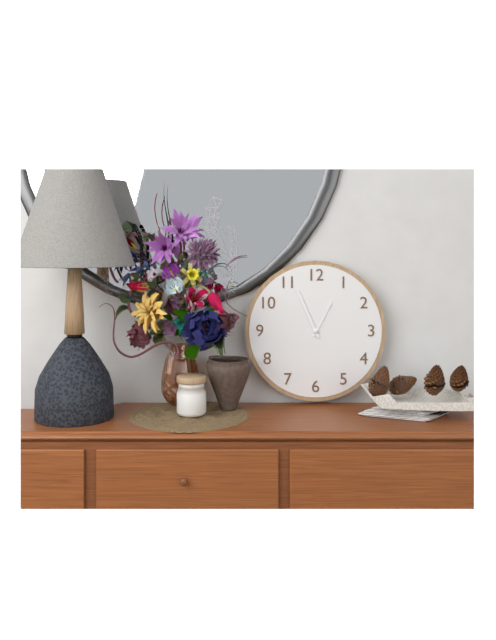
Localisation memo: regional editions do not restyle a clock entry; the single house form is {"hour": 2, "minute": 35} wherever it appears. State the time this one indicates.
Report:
{"hour": 12, "minute": 56}
